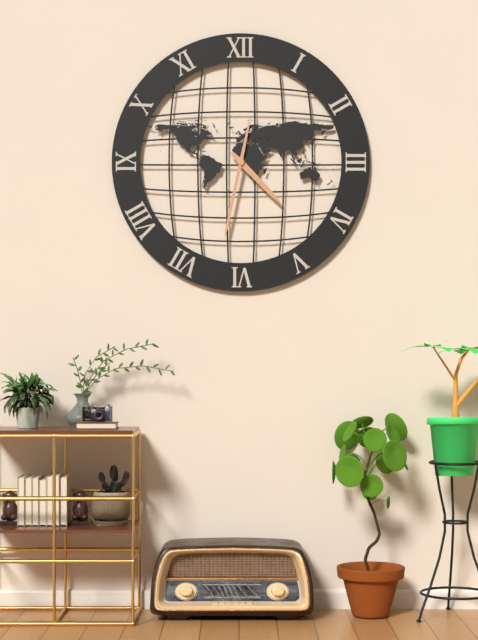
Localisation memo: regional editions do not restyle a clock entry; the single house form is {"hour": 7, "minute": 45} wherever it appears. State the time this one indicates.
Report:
{"hour": 4, "minute": 32}
